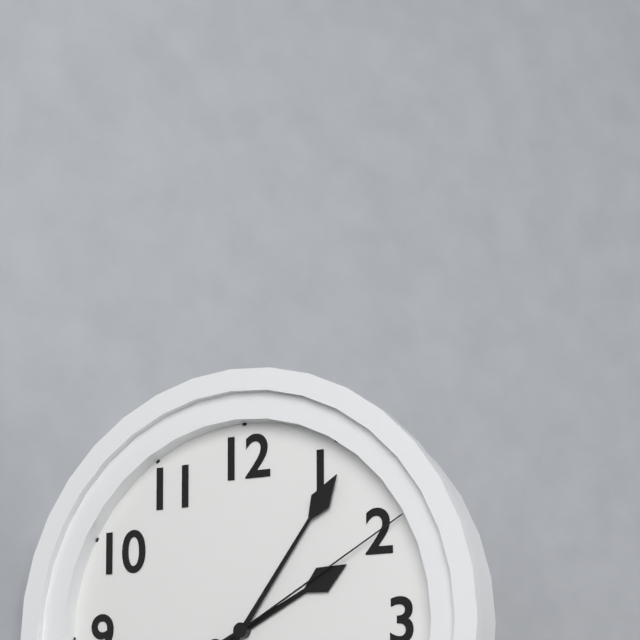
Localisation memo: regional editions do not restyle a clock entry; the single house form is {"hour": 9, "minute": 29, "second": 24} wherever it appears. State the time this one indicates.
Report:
{"hour": 2, "minute": 6, "second": 10}
